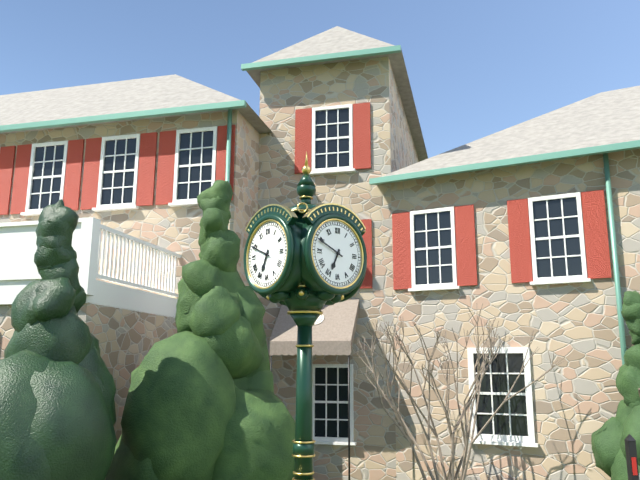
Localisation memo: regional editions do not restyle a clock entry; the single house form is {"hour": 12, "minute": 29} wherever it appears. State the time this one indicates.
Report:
{"hour": 6, "minute": 49}
